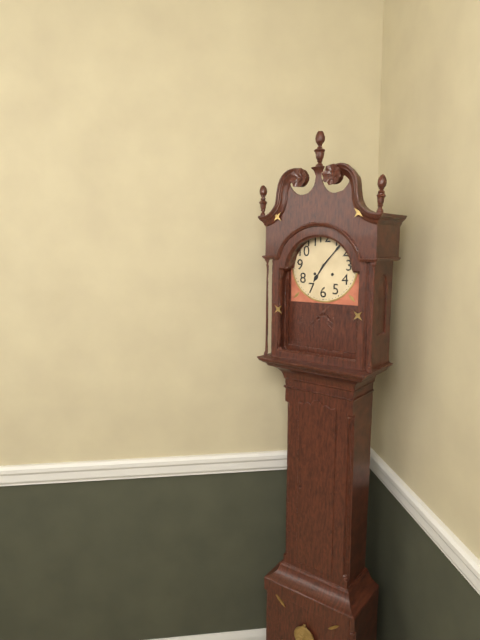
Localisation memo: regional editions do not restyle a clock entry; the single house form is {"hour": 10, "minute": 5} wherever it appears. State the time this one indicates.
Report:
{"hour": 7, "minute": 7}
